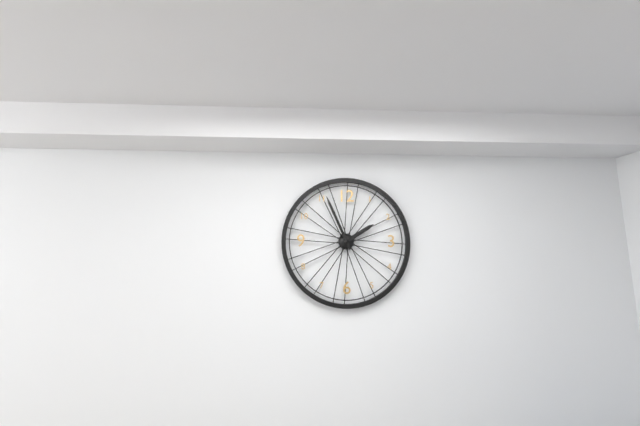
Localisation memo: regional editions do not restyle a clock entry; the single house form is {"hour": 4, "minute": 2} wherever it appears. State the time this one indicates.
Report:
{"hour": 1, "minute": 56}
